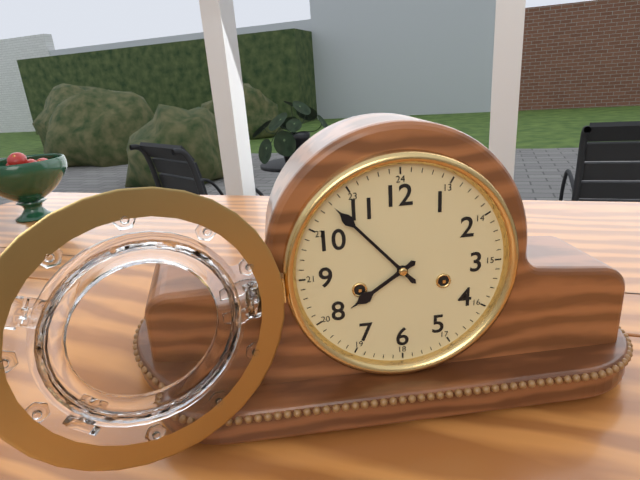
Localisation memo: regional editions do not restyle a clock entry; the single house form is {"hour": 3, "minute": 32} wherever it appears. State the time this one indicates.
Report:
{"hour": 7, "minute": 53}
